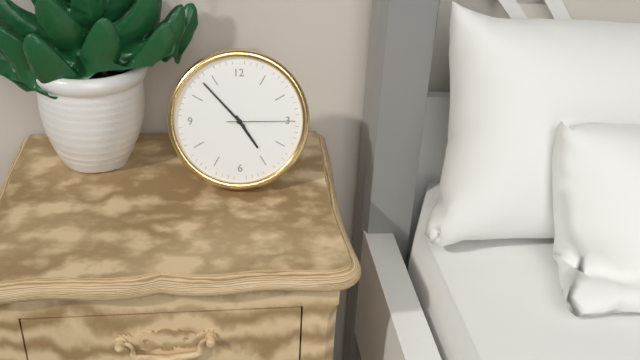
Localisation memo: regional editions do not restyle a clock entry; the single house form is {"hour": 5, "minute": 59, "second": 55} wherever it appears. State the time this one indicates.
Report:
{"hour": 4, "minute": 53, "second": 15}
